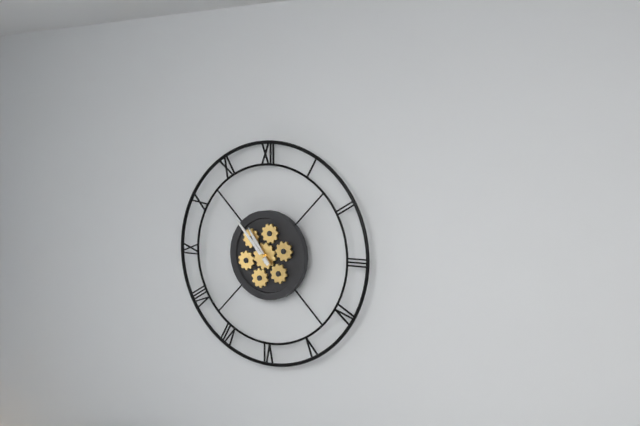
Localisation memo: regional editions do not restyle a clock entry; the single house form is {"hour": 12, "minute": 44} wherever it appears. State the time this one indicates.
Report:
{"hour": 10, "minute": 53}
